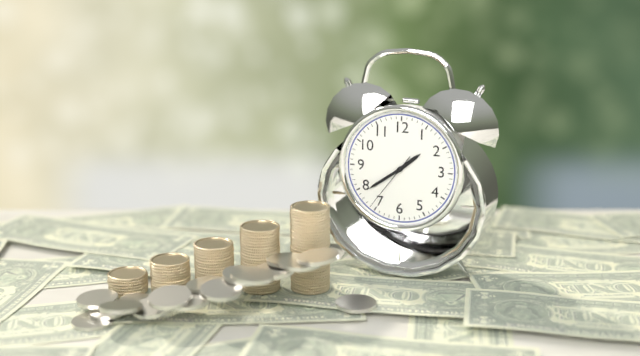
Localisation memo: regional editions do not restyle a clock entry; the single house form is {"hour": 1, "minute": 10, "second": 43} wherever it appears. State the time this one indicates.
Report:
{"hour": 1, "minute": 39, "second": 36}
